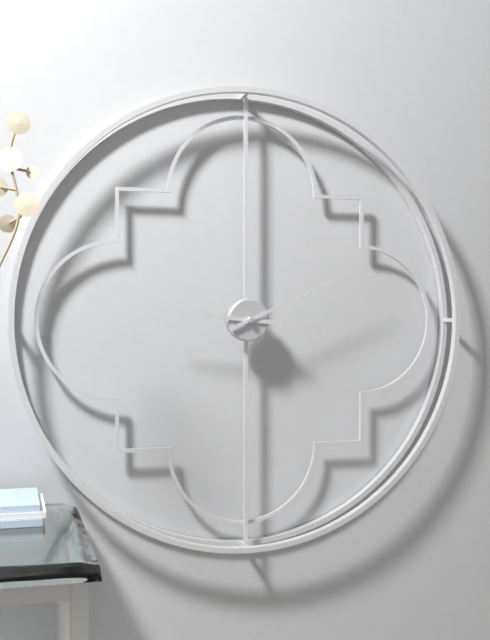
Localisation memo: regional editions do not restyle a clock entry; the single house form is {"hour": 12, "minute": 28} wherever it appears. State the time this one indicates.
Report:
{"hour": 9, "minute": 11}
